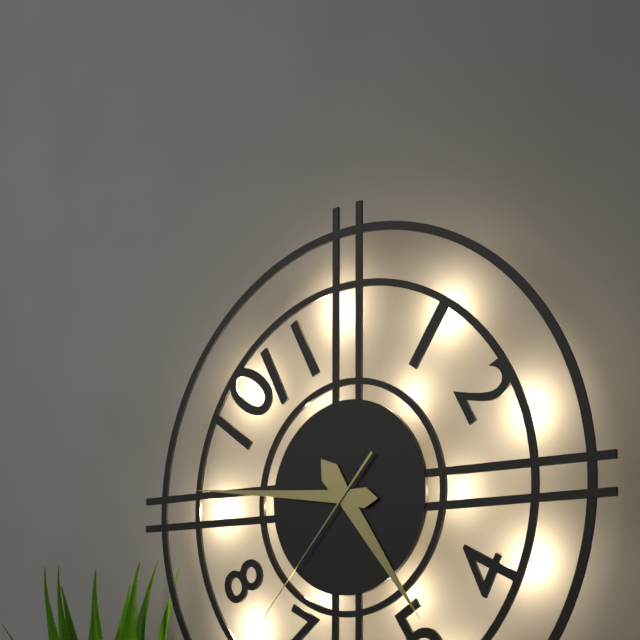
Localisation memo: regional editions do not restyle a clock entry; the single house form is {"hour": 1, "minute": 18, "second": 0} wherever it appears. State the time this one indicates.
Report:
{"hour": 4, "minute": 46, "second": 37}
